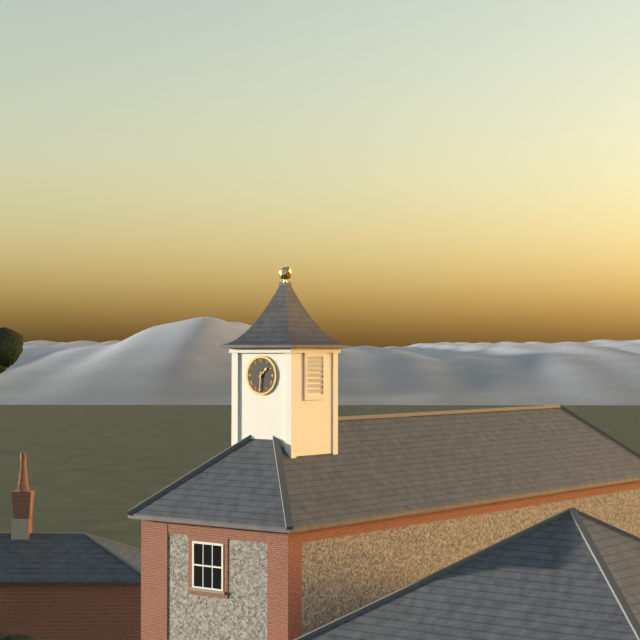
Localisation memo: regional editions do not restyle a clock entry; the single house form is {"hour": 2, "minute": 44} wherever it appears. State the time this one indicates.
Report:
{"hour": 1, "minute": 31}
